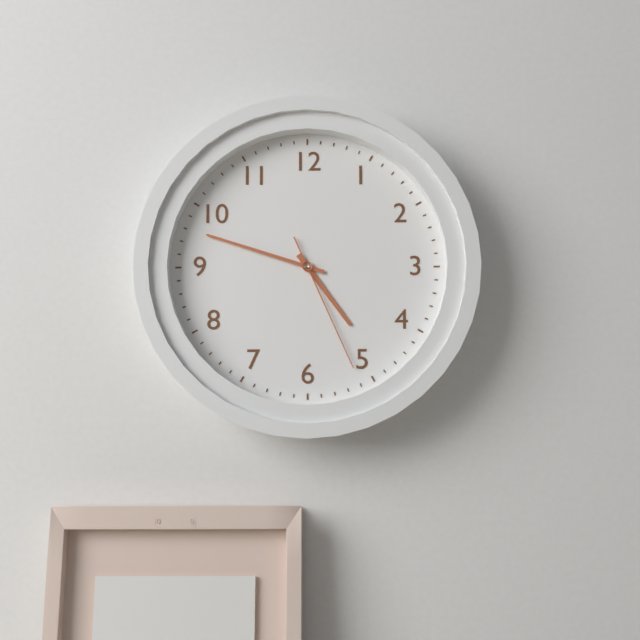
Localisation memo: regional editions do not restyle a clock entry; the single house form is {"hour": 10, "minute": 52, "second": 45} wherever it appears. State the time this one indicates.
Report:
{"hour": 4, "minute": 48, "second": 26}
